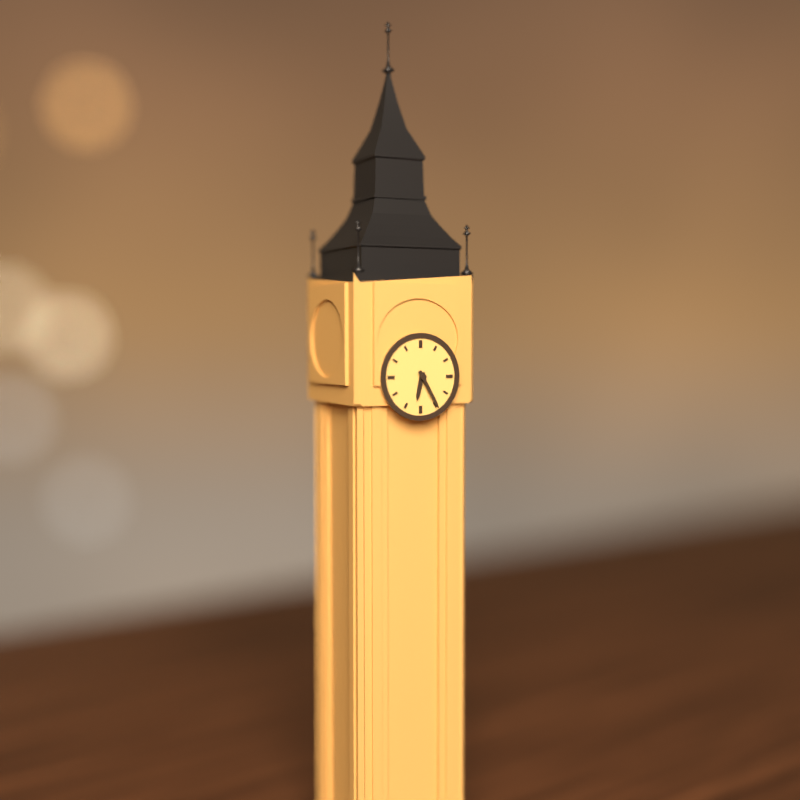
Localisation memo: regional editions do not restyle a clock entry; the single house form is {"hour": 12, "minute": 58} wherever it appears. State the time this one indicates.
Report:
{"hour": 6, "minute": 25}
